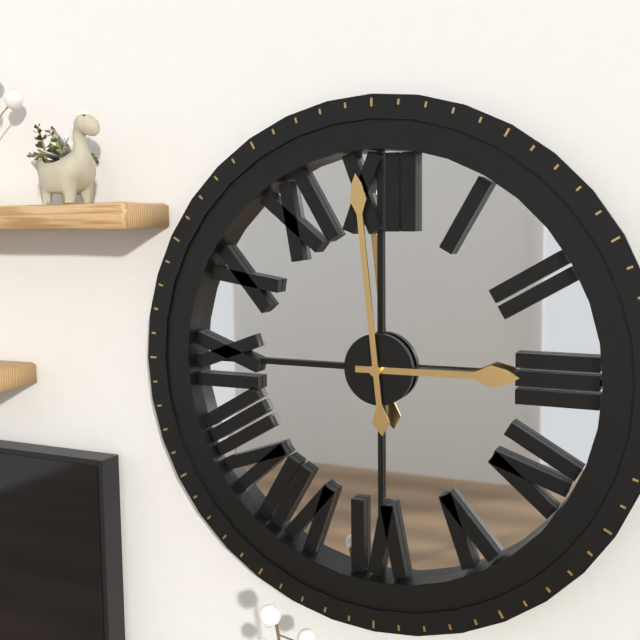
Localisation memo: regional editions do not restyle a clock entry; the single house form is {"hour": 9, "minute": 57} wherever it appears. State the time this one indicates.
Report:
{"hour": 2, "minute": 59}
